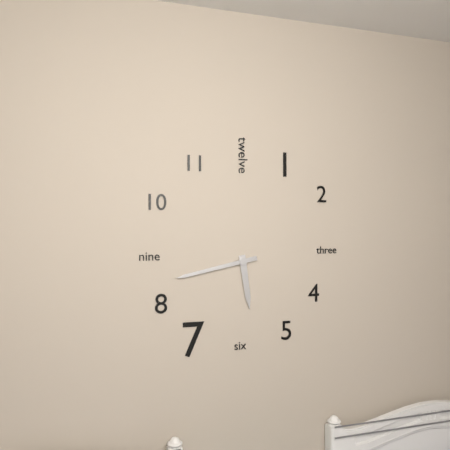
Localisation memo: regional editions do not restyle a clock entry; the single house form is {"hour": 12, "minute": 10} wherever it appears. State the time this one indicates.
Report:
{"hour": 5, "minute": 43}
